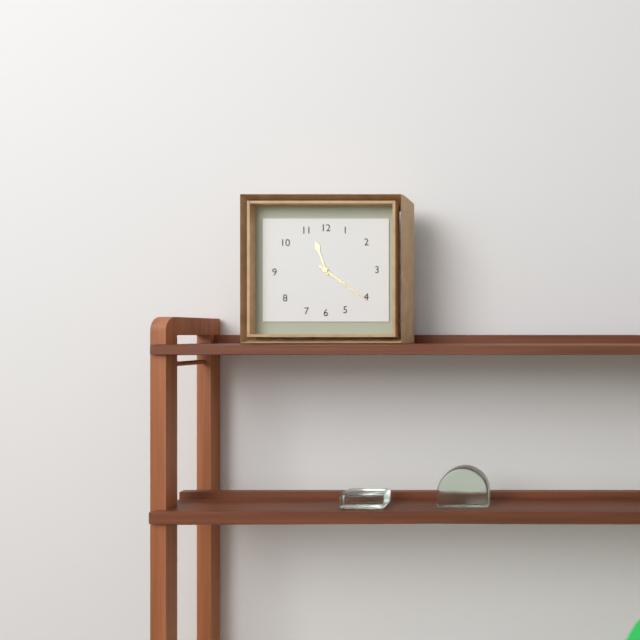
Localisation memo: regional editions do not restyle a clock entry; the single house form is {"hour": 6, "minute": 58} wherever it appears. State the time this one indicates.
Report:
{"hour": 11, "minute": 21}
